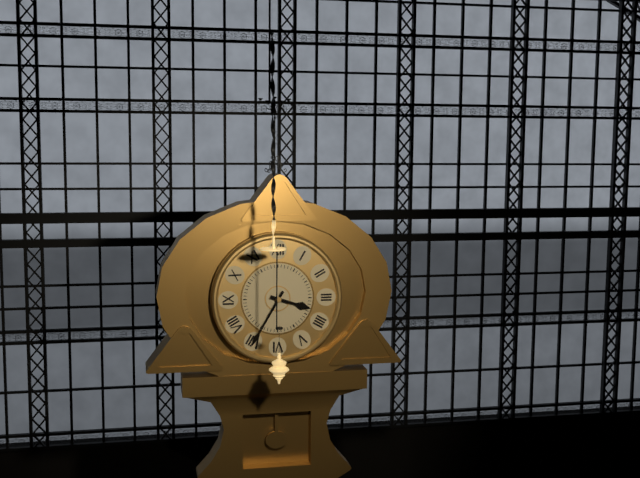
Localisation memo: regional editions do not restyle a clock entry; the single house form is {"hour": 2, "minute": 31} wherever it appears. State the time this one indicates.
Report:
{"hour": 3, "minute": 35}
